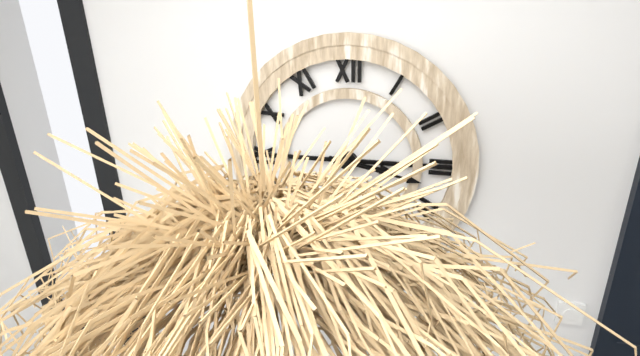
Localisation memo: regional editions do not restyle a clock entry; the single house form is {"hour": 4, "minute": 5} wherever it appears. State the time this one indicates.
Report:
{"hour": 3, "minute": 17}
